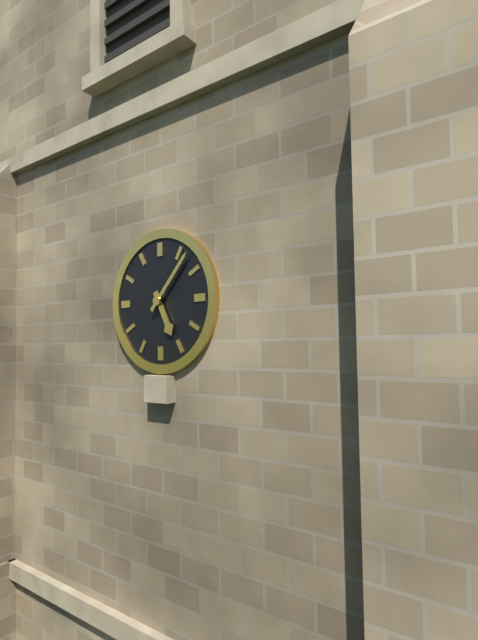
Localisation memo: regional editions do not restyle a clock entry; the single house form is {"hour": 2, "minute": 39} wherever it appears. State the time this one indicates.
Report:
{"hour": 5, "minute": 7}
